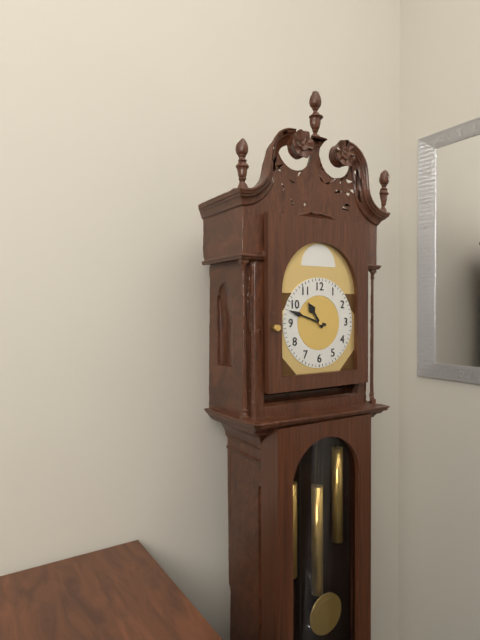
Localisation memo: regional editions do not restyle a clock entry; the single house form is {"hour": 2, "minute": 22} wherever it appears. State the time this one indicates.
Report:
{"hour": 10, "minute": 48}
